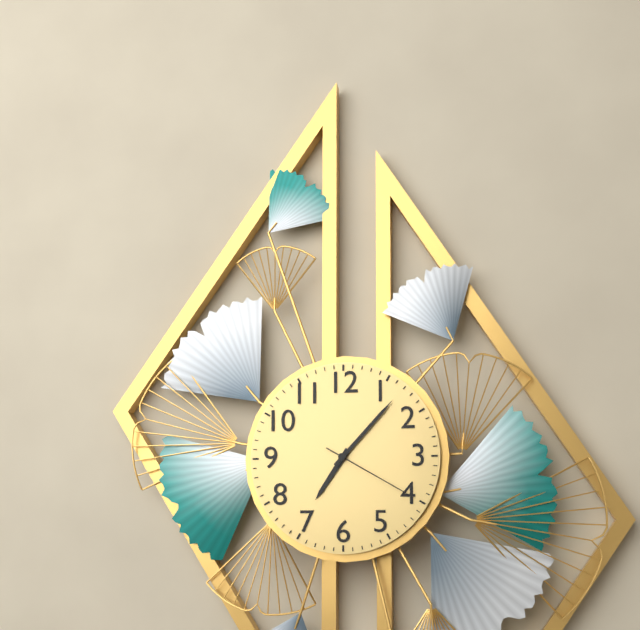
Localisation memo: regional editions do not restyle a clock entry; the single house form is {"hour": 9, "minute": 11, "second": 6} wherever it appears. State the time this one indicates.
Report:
{"hour": 7, "minute": 7, "second": 20}
